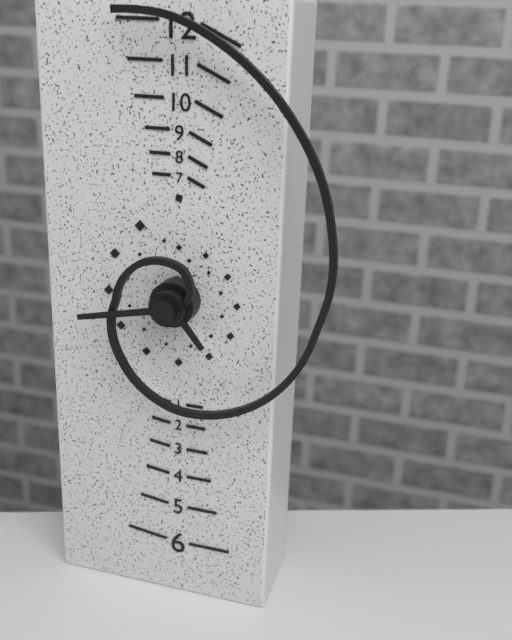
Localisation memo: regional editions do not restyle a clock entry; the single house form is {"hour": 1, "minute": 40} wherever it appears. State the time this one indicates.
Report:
{"hour": 4, "minute": 43}
